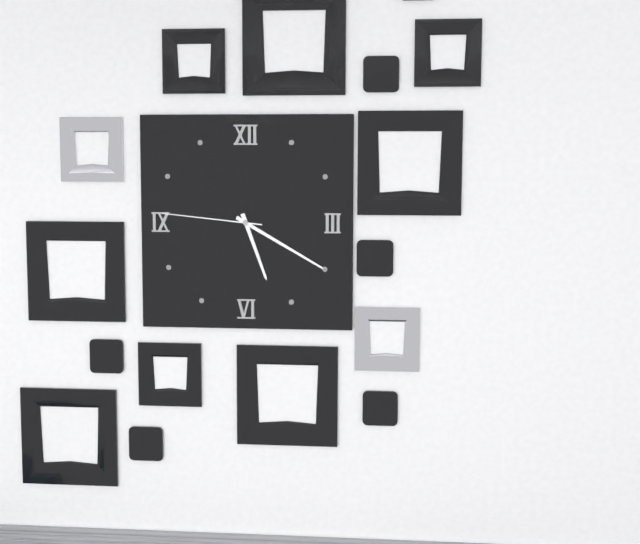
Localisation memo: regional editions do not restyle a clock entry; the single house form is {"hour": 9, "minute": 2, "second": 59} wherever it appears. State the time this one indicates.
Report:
{"hour": 5, "minute": 20, "second": 46}
